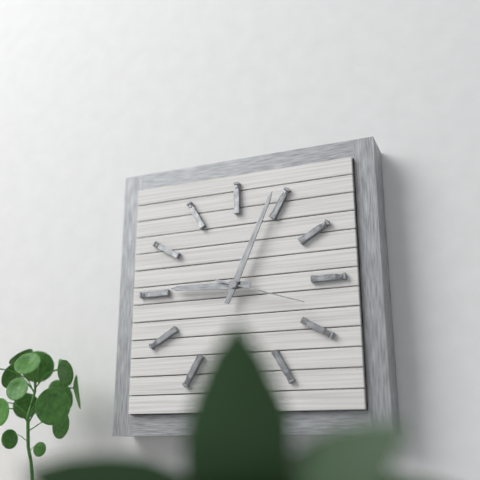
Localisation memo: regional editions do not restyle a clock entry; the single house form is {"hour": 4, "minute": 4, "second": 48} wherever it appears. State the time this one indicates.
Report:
{"hour": 9, "minute": 4, "second": 18}
